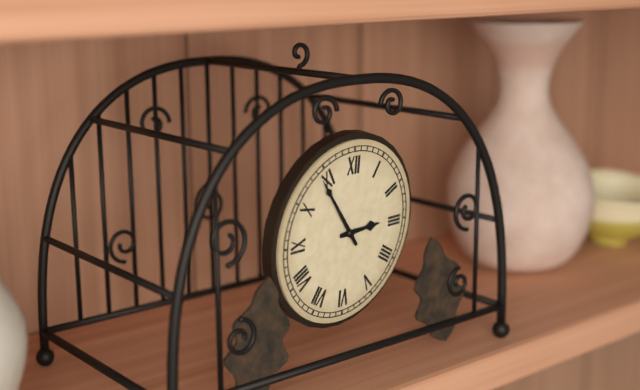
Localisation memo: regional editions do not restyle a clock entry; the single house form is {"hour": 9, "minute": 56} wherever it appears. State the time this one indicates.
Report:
{"hour": 2, "minute": 54}
